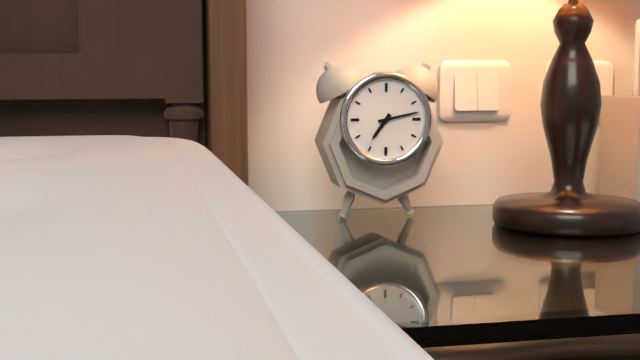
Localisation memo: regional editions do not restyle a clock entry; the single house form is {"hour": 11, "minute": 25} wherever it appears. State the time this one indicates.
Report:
{"hour": 7, "minute": 13}
